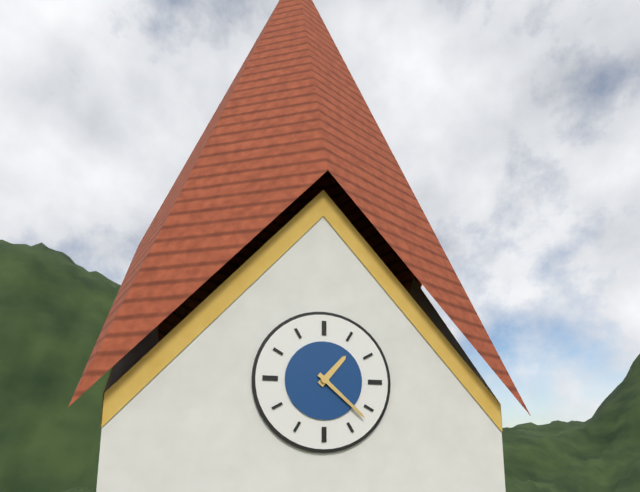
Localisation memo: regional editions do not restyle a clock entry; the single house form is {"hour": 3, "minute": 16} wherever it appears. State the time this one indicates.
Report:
{"hour": 1, "minute": 22}
